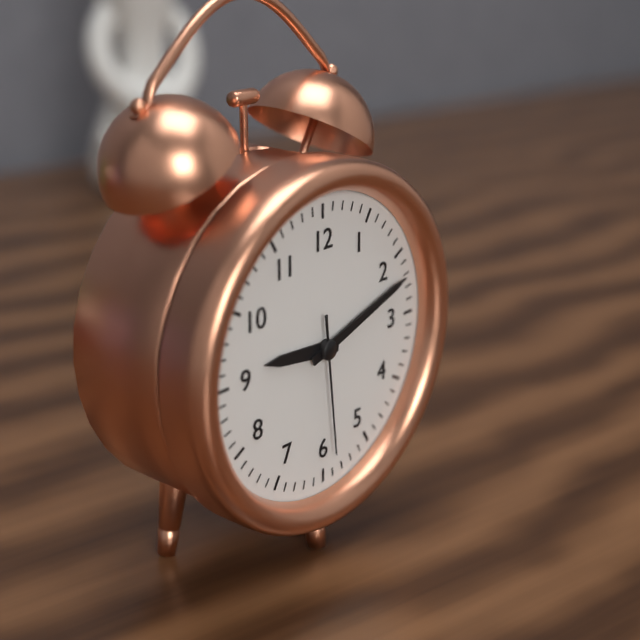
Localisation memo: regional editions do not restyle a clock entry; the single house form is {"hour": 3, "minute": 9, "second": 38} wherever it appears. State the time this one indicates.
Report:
{"hour": 9, "minute": 12, "second": 29}
